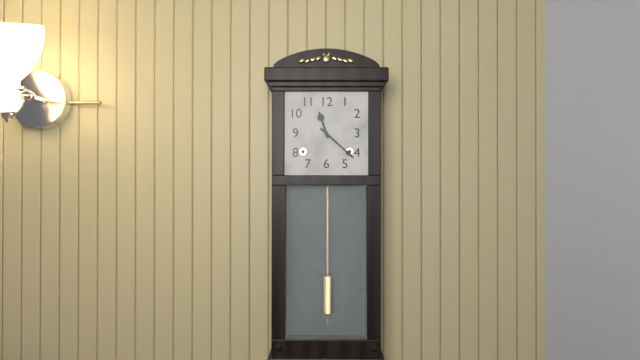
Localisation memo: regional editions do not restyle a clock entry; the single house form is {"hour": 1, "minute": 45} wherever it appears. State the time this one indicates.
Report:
{"hour": 11, "minute": 22}
